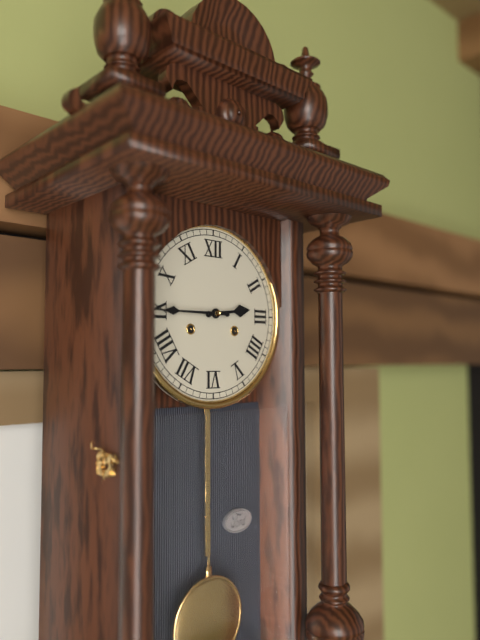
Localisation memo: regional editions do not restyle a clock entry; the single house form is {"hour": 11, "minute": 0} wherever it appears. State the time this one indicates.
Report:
{"hour": 2, "minute": 45}
